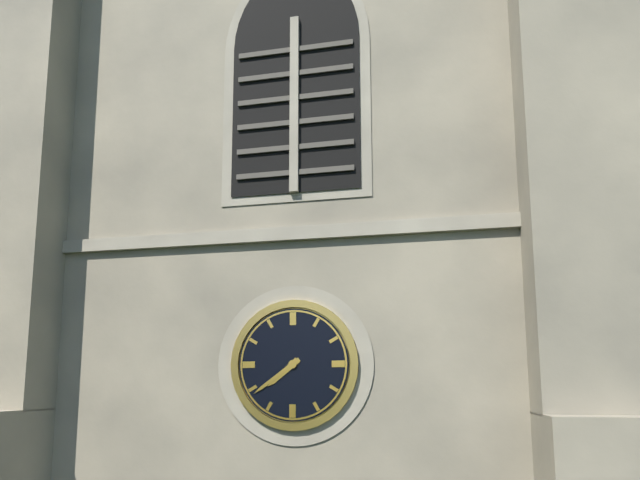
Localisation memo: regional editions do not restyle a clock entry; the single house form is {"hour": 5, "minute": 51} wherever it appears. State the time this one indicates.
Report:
{"hour": 7, "minute": 39}
